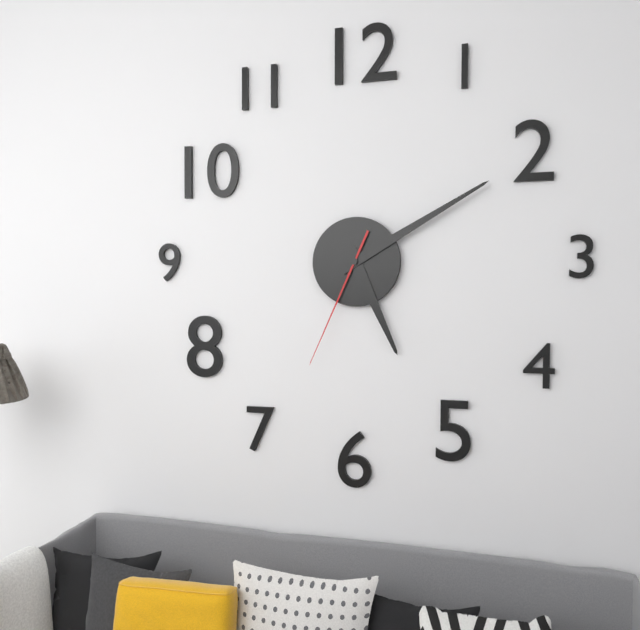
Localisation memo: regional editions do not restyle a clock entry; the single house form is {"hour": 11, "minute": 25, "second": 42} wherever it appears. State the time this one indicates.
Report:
{"hour": 5, "minute": 10, "second": 34}
